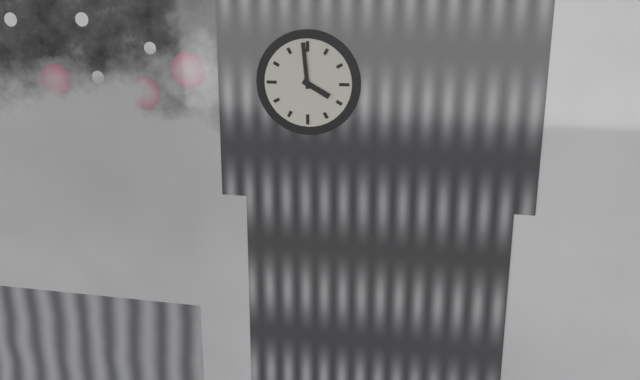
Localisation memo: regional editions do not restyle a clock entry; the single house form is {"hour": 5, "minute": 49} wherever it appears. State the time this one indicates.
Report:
{"hour": 3, "minute": 59}
